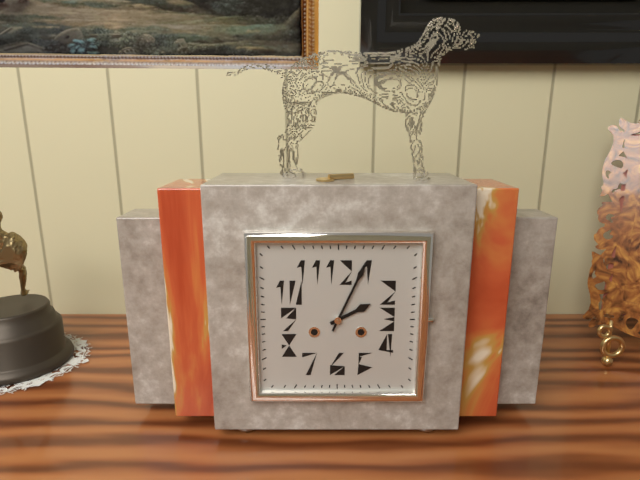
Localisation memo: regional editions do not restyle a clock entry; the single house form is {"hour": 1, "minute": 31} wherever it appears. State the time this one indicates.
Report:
{"hour": 2, "minute": 4}
